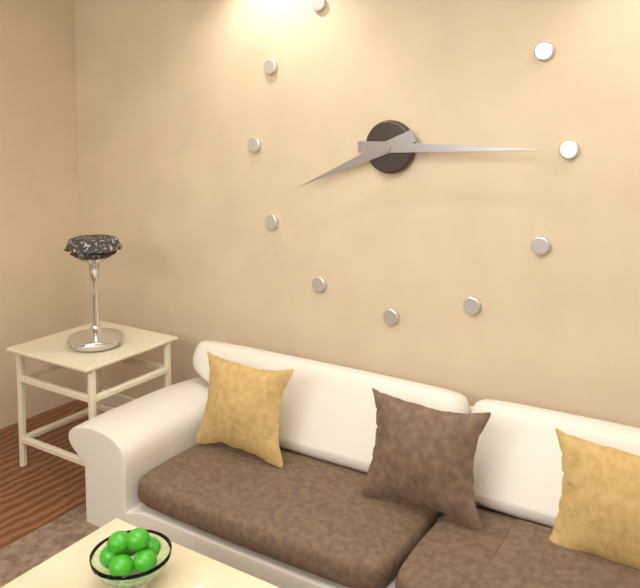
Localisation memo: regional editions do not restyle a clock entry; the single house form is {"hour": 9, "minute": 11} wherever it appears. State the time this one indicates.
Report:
{"hour": 8, "minute": 15}
